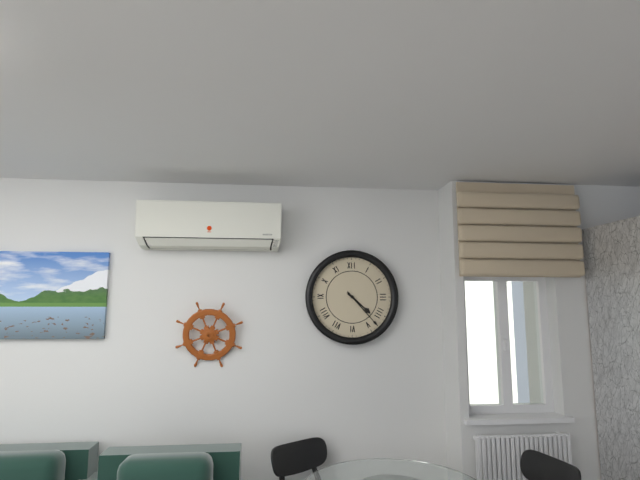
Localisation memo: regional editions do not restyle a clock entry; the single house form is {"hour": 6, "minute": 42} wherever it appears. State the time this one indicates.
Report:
{"hour": 4, "minute": 23}
